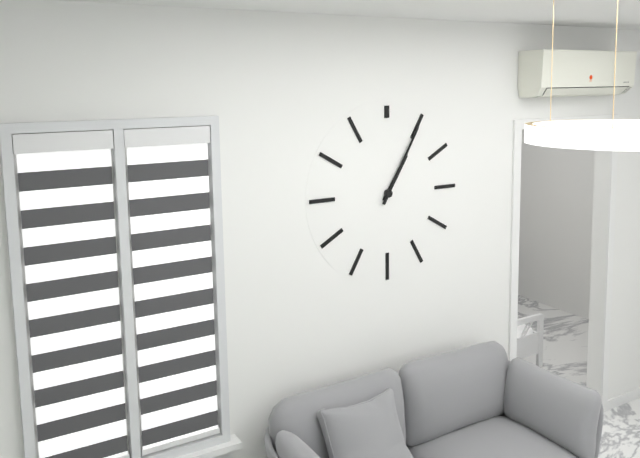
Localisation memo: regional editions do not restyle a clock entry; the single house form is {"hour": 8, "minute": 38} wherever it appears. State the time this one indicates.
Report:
{"hour": 1, "minute": 5}
